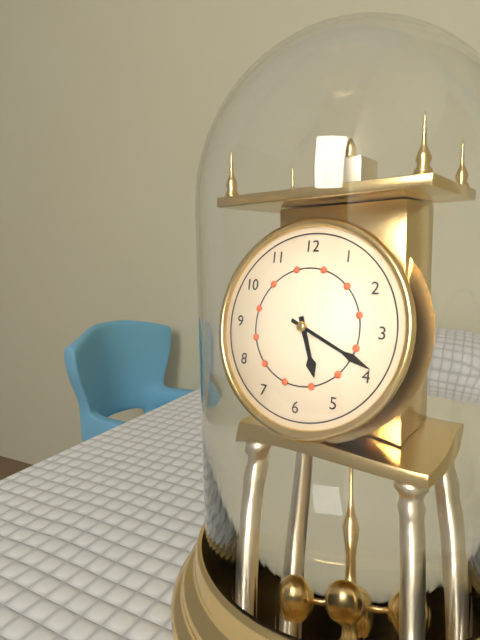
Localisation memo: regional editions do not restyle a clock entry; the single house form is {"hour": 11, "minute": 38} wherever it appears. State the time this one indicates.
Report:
{"hour": 5, "minute": 19}
